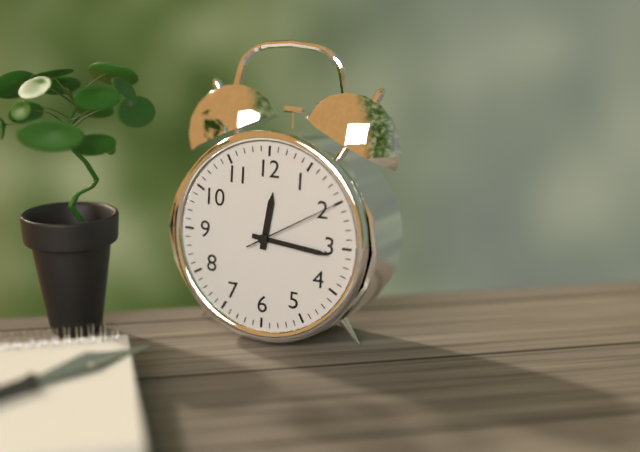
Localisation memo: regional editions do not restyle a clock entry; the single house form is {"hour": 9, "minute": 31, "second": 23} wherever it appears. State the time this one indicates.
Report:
{"hour": 12, "minute": 16, "second": 10}
